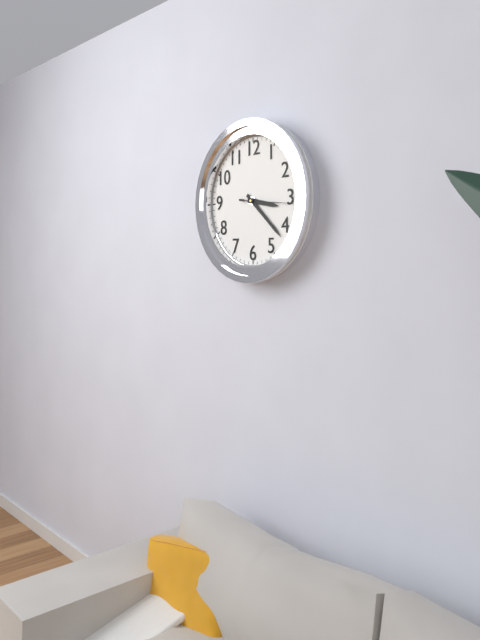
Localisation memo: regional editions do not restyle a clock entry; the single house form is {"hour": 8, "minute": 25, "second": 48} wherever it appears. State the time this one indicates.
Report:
{"hour": 3, "minute": 22, "second": 16}
